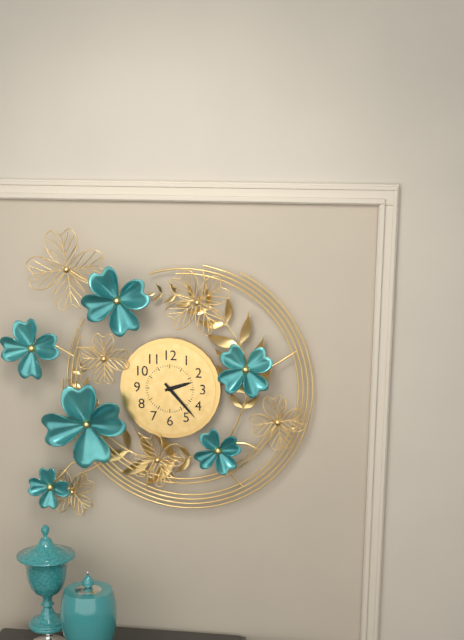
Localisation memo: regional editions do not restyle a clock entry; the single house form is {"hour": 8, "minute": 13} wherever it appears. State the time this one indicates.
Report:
{"hour": 2, "minute": 23}
